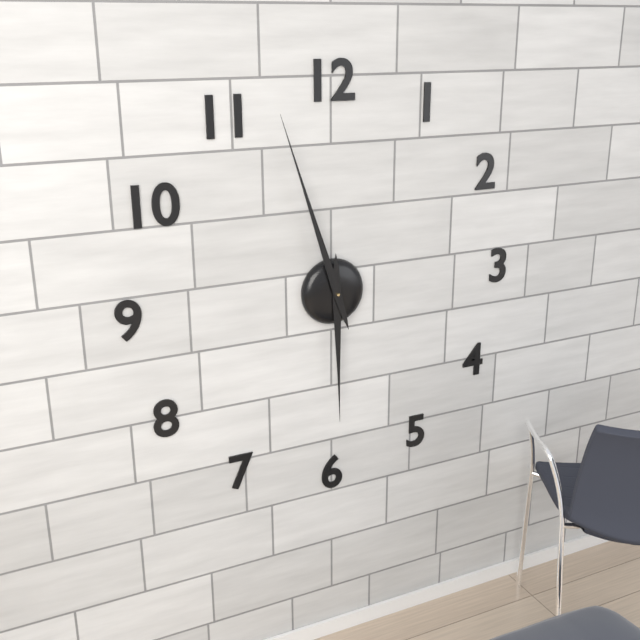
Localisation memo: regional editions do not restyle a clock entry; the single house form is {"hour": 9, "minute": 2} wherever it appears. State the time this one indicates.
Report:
{"hour": 5, "minute": 57}
